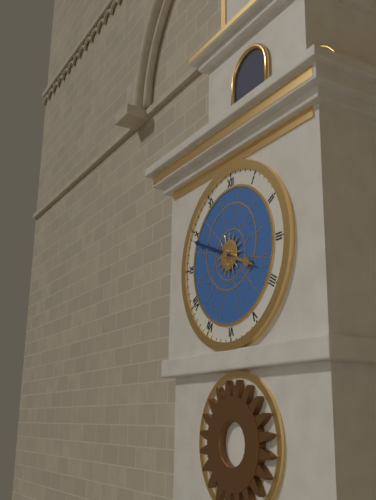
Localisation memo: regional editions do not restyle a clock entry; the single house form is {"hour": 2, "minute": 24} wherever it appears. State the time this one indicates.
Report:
{"hour": 3, "minute": 49}
